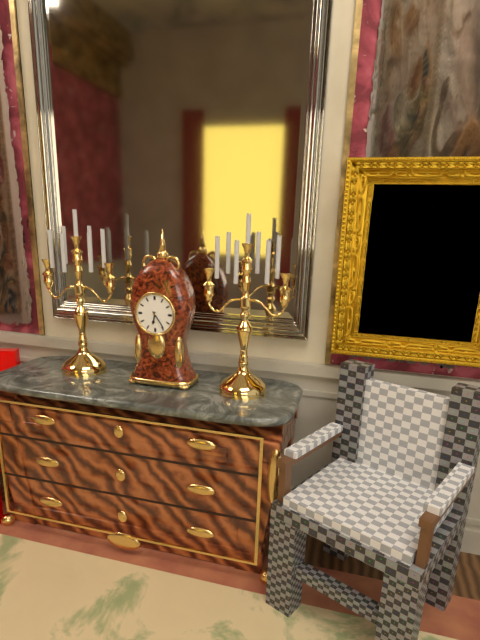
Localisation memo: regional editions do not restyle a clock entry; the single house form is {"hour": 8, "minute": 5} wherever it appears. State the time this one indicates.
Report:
{"hour": 6, "minute": 24}
